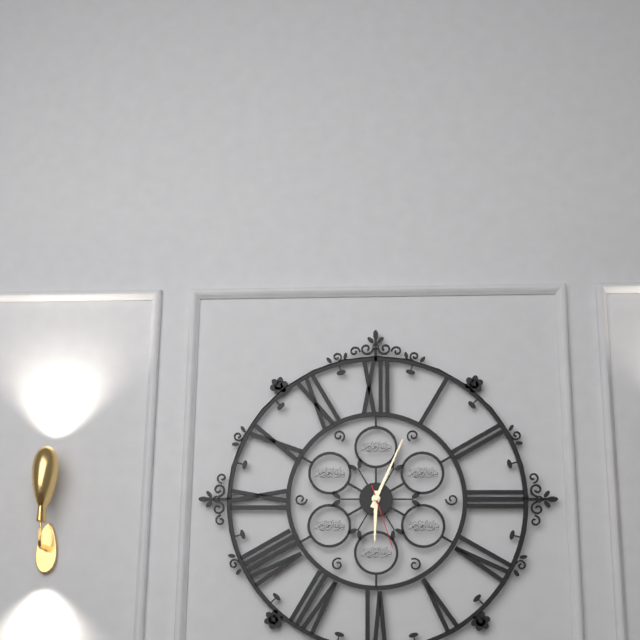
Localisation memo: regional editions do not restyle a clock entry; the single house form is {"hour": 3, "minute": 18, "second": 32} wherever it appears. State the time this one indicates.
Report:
{"hour": 6, "minute": 4, "second": 27}
